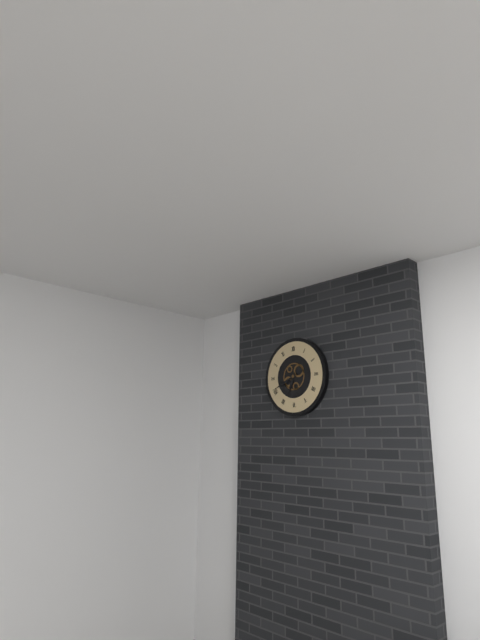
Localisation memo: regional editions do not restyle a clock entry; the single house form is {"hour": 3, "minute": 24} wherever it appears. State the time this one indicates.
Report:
{"hour": 6, "minute": 41}
